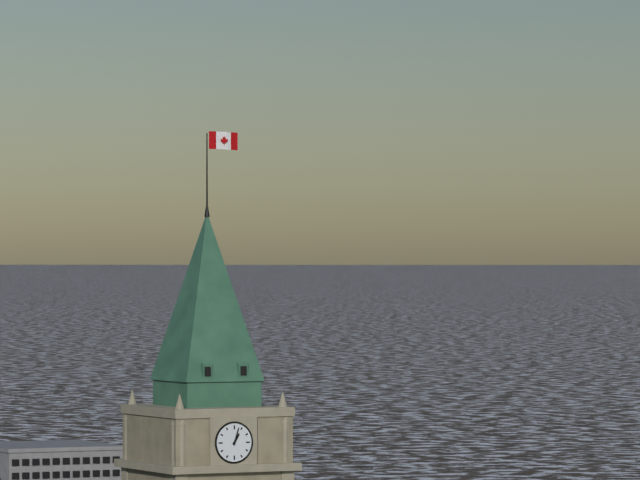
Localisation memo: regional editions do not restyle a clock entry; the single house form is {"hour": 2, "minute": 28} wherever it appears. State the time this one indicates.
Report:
{"hour": 1, "minute": 3}
